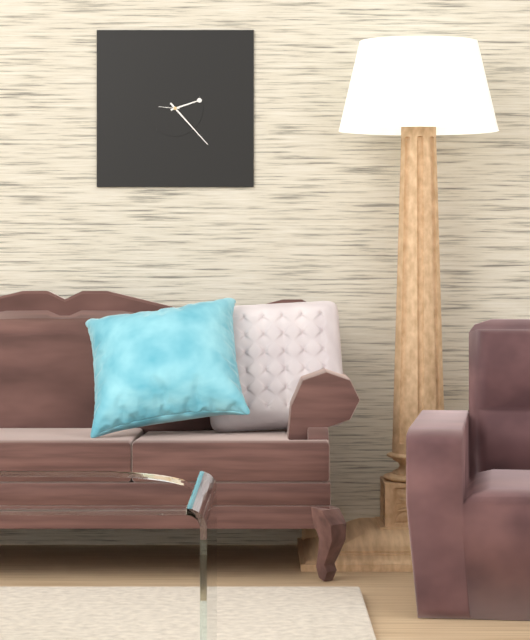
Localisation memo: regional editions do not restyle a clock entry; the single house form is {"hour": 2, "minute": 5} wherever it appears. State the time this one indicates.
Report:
{"hour": 2, "minute": 23}
